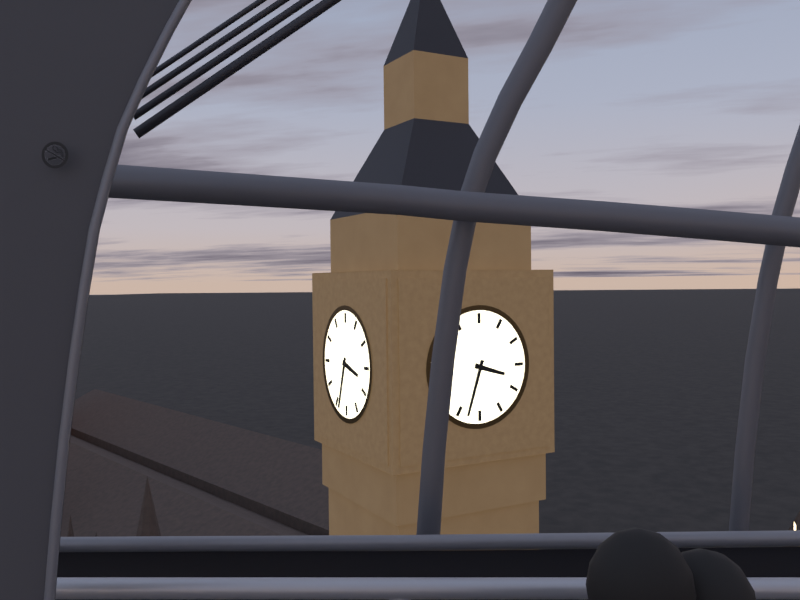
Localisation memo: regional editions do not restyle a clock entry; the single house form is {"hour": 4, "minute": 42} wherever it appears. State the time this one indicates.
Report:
{"hour": 3, "minute": 33}
